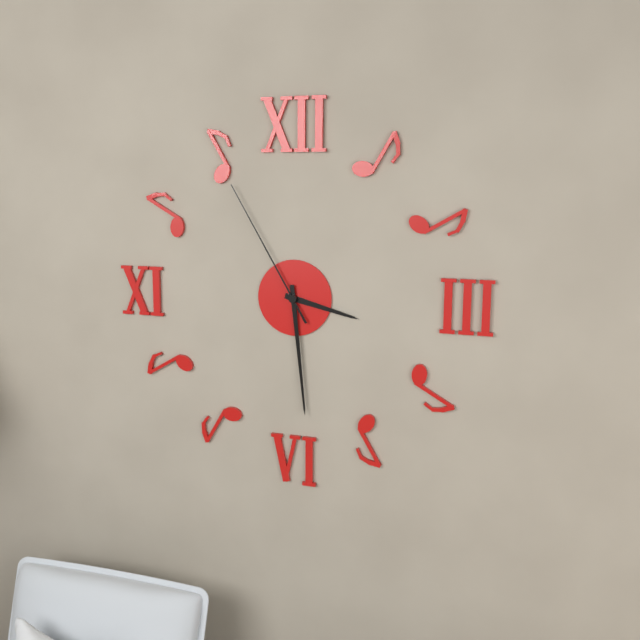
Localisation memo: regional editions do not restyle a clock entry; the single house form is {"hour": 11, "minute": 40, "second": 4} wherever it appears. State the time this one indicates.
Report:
{"hour": 3, "minute": 29, "second": 55}
